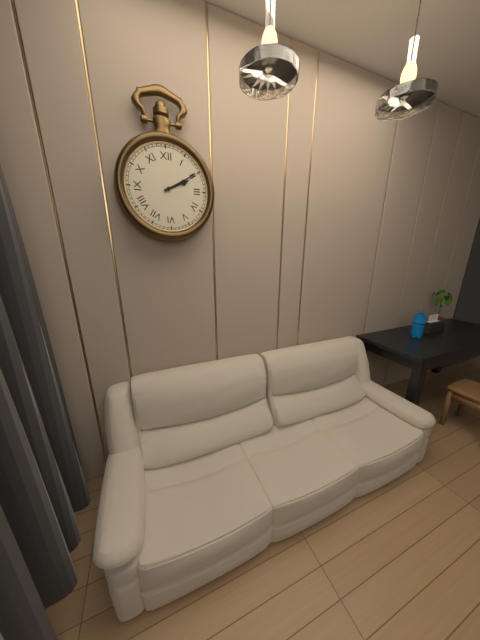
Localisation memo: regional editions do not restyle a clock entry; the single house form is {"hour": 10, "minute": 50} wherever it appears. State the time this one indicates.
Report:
{"hour": 2, "minute": 10}
